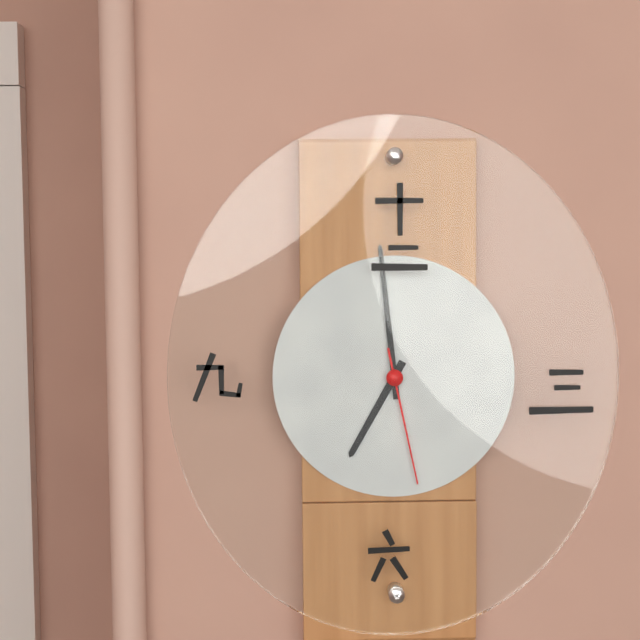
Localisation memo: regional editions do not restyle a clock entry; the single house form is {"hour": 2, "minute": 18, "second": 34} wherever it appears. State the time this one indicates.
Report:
{"hour": 6, "minute": 59, "second": 28}
